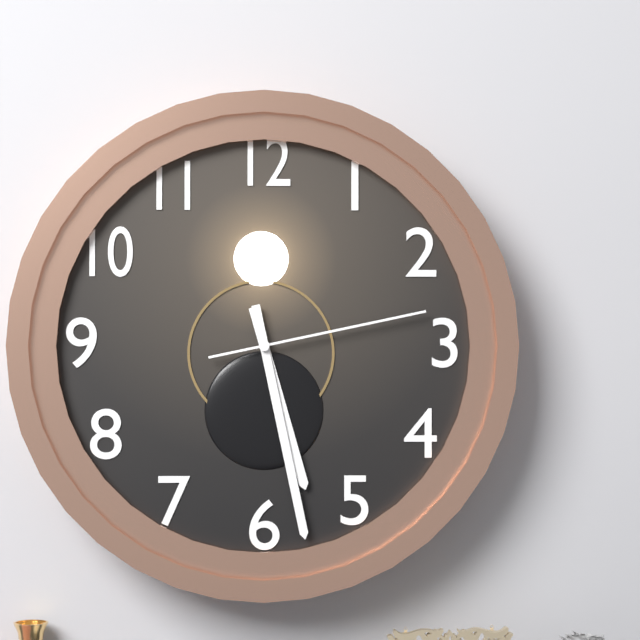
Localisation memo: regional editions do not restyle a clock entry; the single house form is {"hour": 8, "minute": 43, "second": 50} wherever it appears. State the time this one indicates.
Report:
{"hour": 5, "minute": 28, "second": 13}
